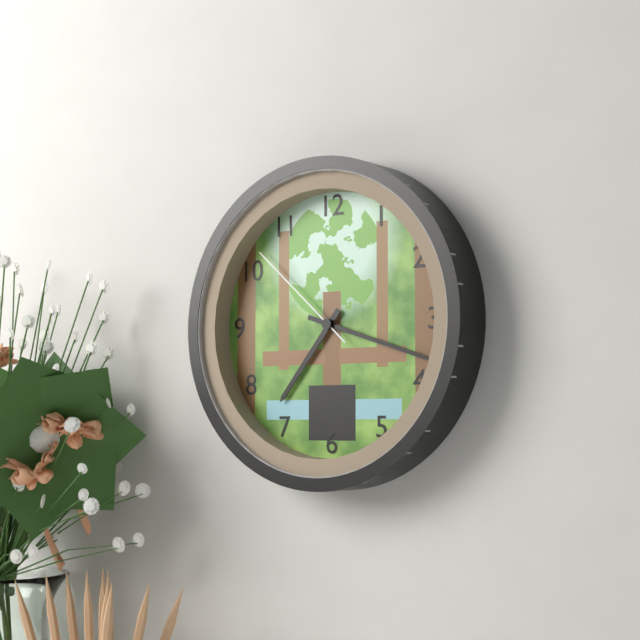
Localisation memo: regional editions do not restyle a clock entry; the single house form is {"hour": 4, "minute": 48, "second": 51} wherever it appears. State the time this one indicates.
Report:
{"hour": 7, "minute": 18, "second": 52}
